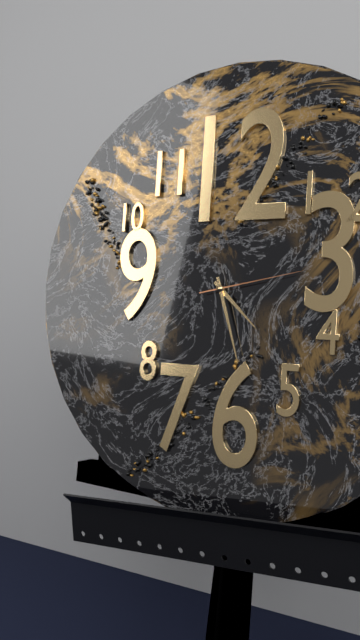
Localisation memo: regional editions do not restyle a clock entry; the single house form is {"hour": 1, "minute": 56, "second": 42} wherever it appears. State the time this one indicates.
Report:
{"hour": 4, "minute": 27, "second": 13}
